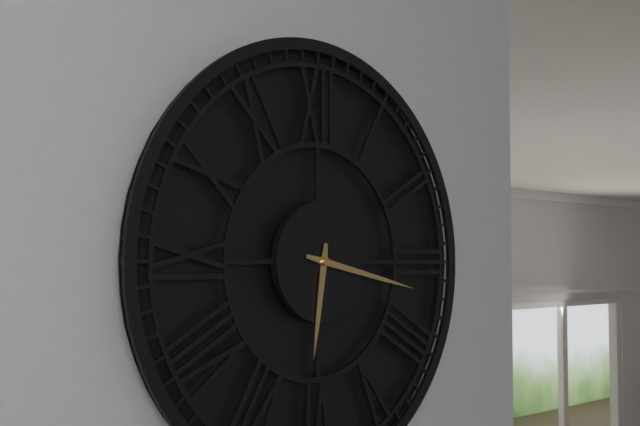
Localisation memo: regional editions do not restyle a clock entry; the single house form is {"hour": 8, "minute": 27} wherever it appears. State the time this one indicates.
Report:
{"hour": 6, "minute": 17}
